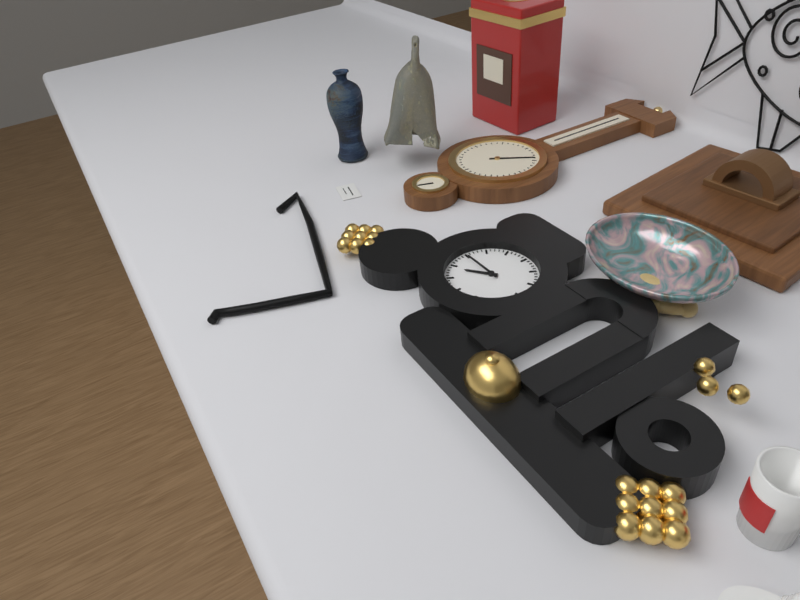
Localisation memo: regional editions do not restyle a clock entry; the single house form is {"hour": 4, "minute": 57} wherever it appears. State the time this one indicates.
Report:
{"hour": 7, "minute": 45}
